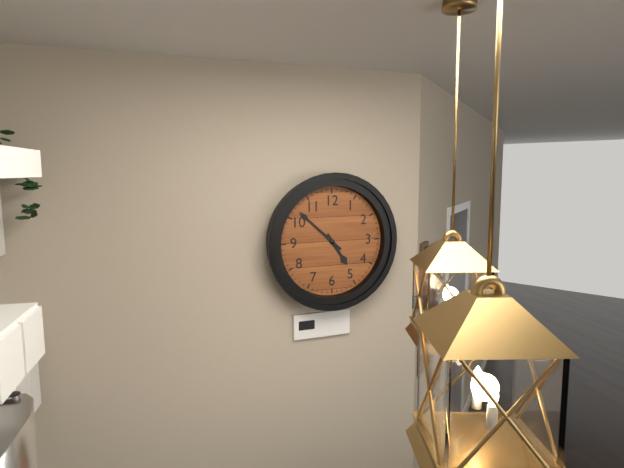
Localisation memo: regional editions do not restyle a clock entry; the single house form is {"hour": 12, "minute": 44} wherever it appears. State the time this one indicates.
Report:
{"hour": 4, "minute": 52}
